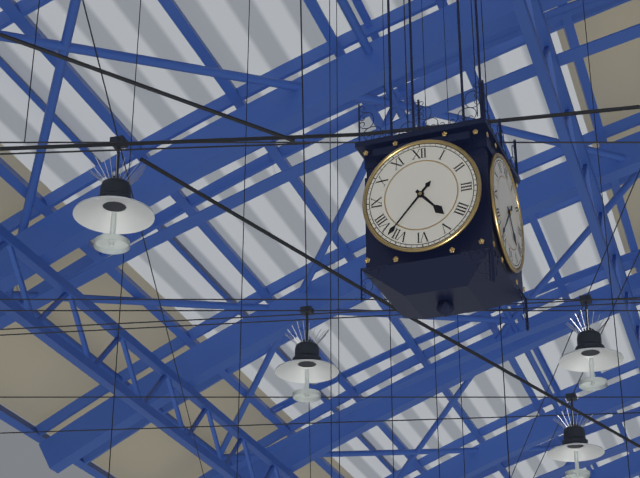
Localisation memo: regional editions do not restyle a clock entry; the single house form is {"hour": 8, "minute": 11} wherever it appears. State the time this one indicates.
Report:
{"hour": 4, "minute": 37}
